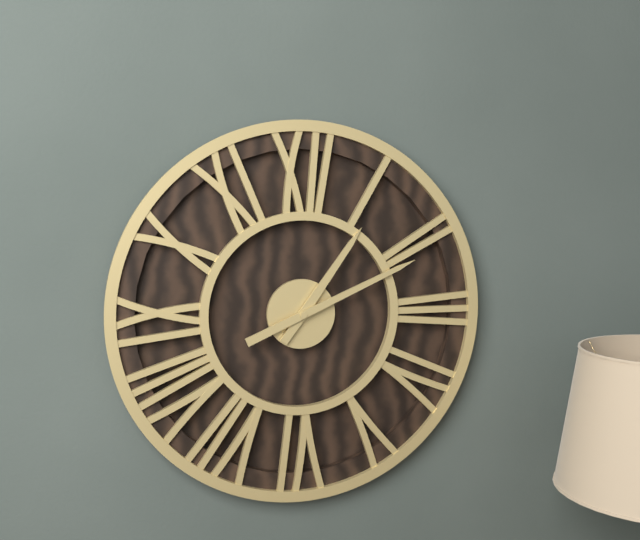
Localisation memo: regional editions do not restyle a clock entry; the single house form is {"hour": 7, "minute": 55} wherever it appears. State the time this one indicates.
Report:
{"hour": 1, "minute": 11}
